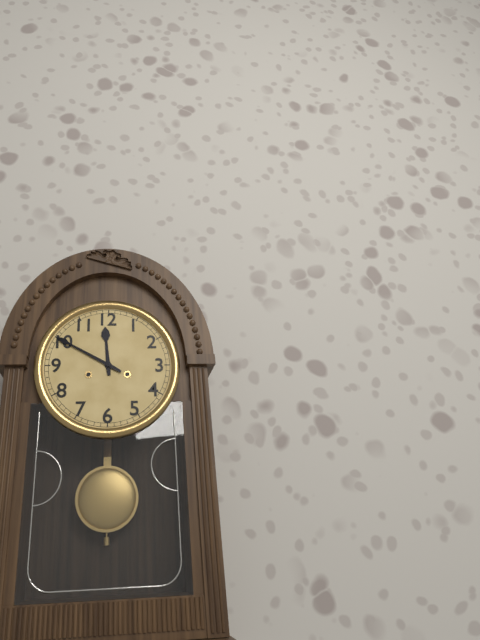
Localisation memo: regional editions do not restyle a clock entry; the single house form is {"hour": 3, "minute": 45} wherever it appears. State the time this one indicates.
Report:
{"hour": 11, "minute": 50}
